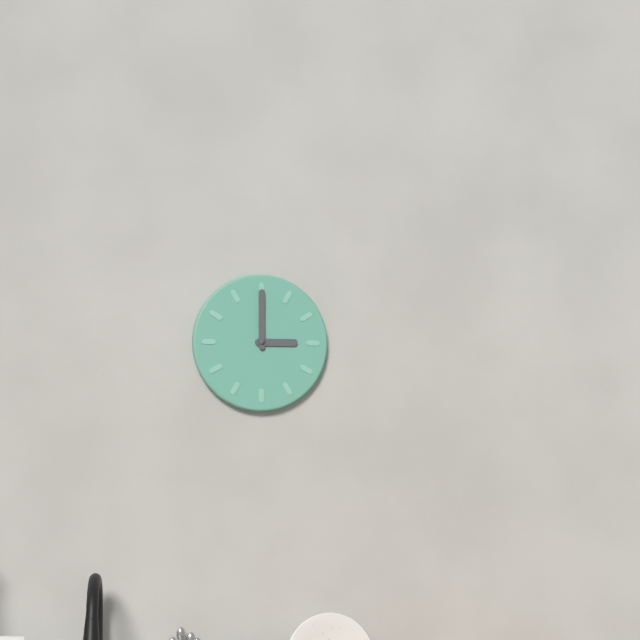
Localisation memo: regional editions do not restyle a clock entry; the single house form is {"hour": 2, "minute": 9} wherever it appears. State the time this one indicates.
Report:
{"hour": 3, "minute": 0}
